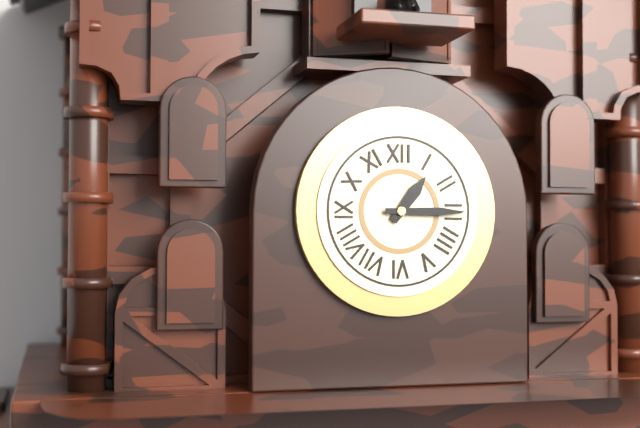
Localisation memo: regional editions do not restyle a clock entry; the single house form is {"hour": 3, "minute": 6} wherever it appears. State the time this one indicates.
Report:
{"hour": 1, "minute": 15}
